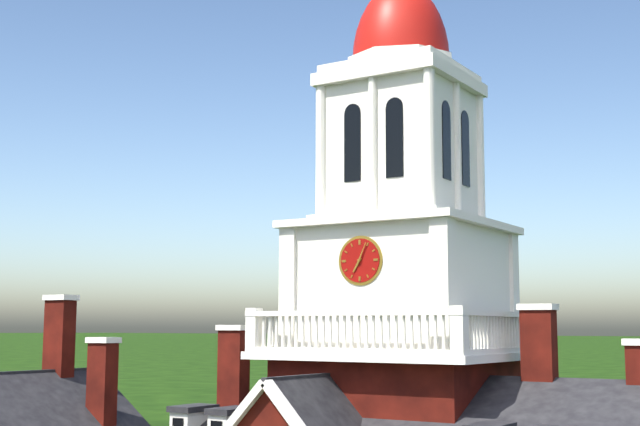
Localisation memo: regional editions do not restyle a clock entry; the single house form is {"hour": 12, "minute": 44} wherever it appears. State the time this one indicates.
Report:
{"hour": 7, "minute": 4}
